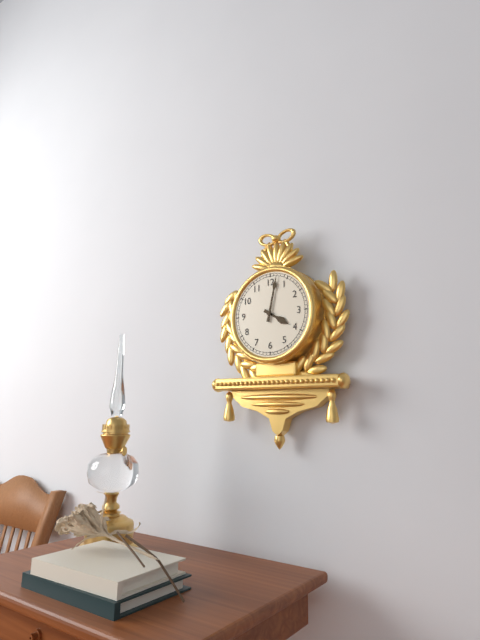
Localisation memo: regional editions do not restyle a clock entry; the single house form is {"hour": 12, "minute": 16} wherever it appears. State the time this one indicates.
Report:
{"hour": 4, "minute": 2}
